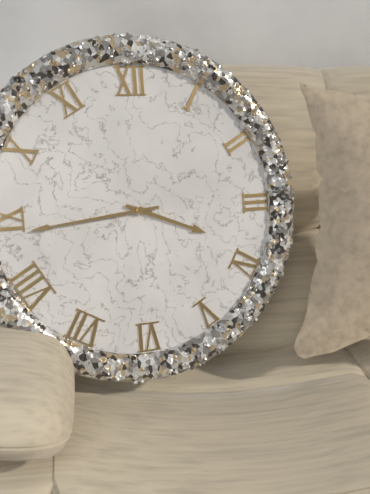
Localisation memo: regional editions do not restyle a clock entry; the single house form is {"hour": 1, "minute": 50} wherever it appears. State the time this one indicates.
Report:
{"hour": 3, "minute": 44}
